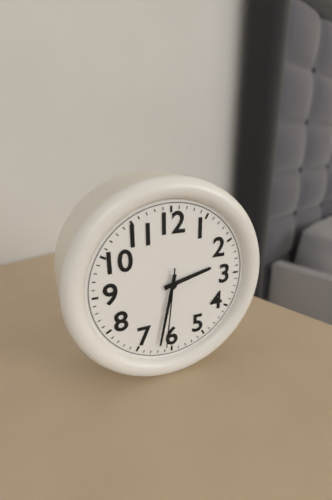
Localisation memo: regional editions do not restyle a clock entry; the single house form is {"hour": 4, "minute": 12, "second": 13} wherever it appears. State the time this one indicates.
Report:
{"hour": 2, "minute": 32, "second": 31}
